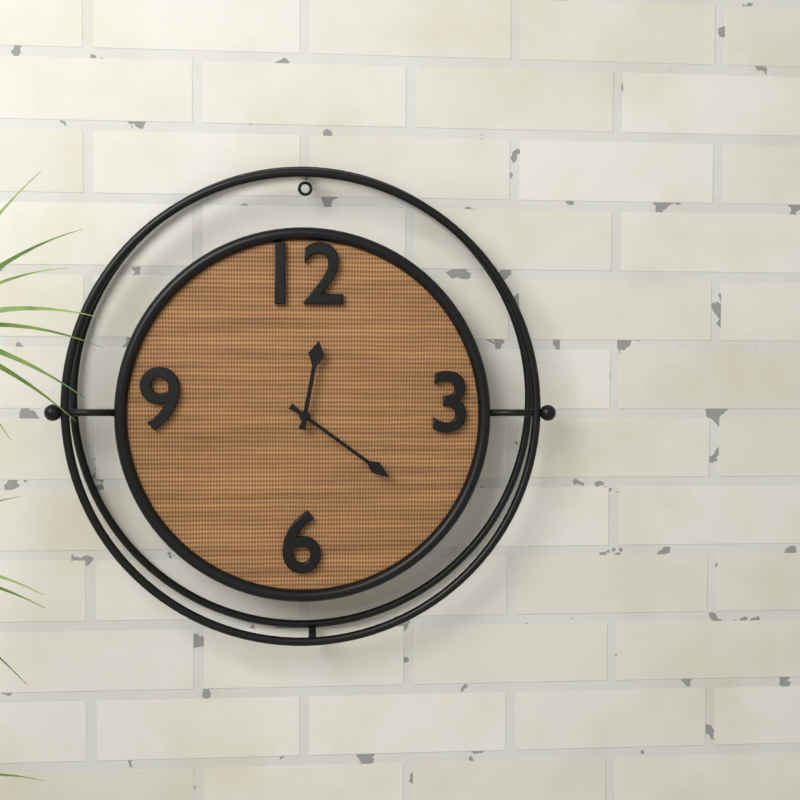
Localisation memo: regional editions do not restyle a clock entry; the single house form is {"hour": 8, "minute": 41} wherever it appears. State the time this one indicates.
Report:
{"hour": 12, "minute": 21}
